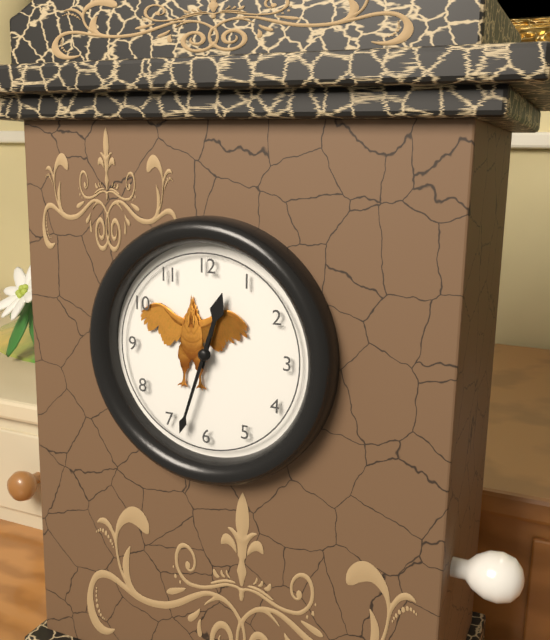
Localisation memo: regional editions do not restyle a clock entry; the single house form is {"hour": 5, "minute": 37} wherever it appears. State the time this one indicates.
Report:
{"hour": 12, "minute": 33}
